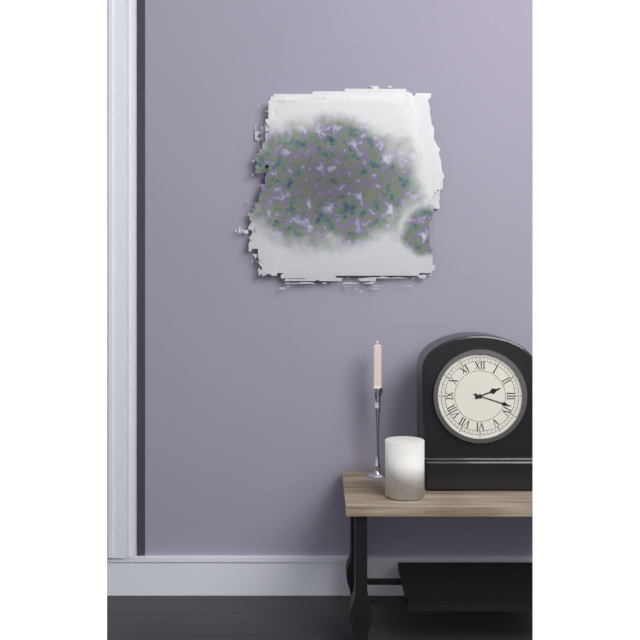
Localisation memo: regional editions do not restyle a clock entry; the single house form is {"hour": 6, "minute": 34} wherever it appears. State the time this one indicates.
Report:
{"hour": 2, "minute": 18}
